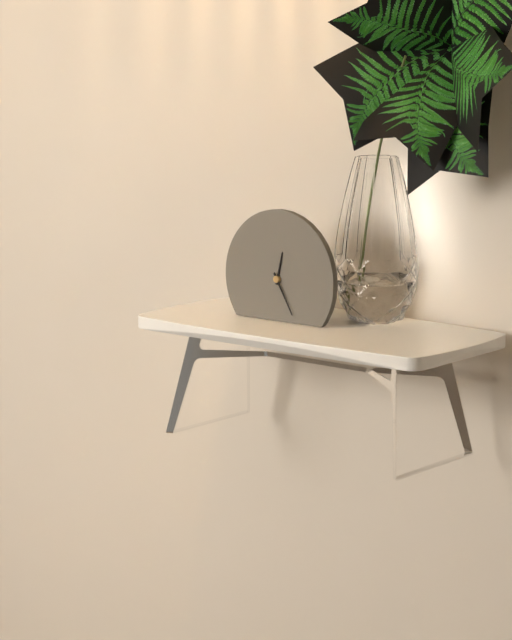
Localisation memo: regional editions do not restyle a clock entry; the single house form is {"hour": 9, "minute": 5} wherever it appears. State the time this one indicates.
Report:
{"hour": 12, "minute": 25}
